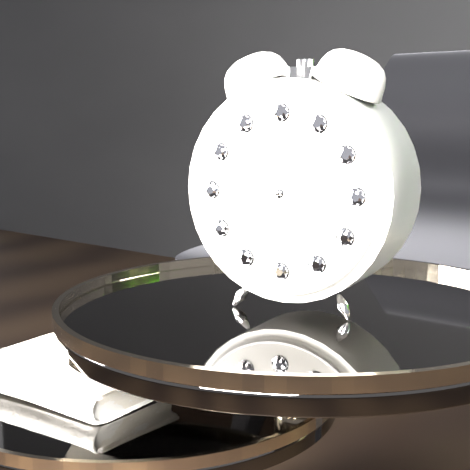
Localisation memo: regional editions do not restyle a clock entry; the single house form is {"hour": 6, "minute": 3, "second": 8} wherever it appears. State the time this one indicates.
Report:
{"hour": 10, "minute": 57, "second": 37}
